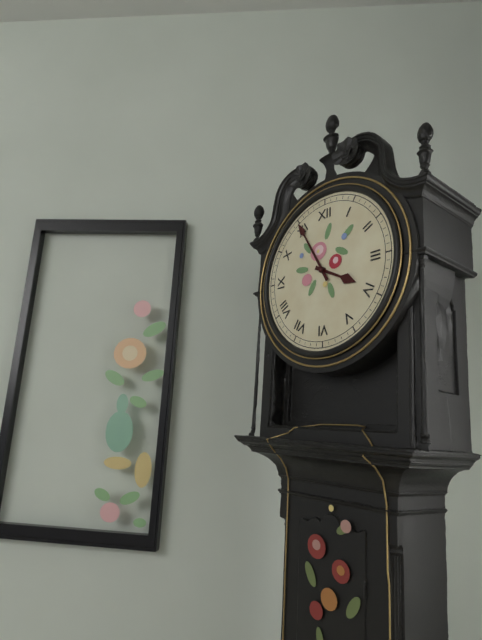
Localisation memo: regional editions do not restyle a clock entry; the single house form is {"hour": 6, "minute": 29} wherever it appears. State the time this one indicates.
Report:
{"hour": 3, "minute": 55}
